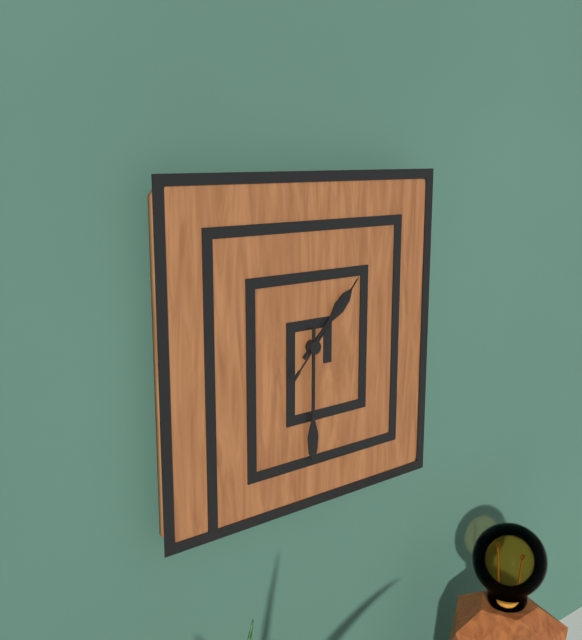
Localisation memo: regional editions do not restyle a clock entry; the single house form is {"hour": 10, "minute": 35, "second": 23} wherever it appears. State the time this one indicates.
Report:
{"hour": 1, "minute": 30, "second": 7}
